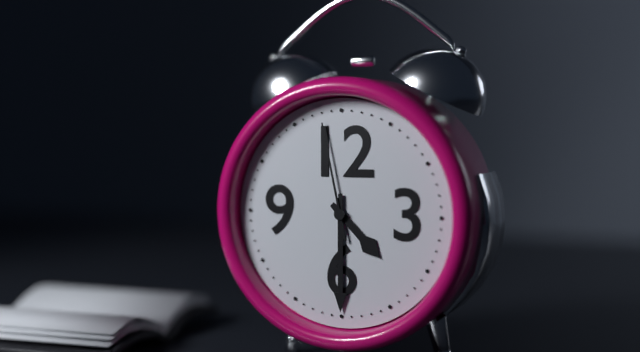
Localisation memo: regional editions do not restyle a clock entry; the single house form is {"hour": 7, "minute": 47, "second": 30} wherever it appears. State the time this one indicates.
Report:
{"hour": 4, "minute": 30, "second": 58}
